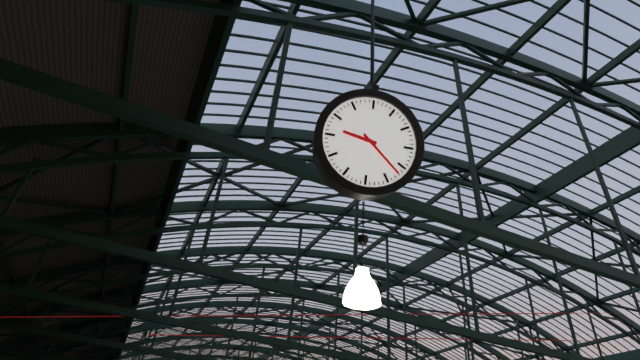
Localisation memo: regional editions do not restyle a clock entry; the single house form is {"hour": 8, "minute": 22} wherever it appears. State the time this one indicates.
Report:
{"hour": 9, "minute": 22}
